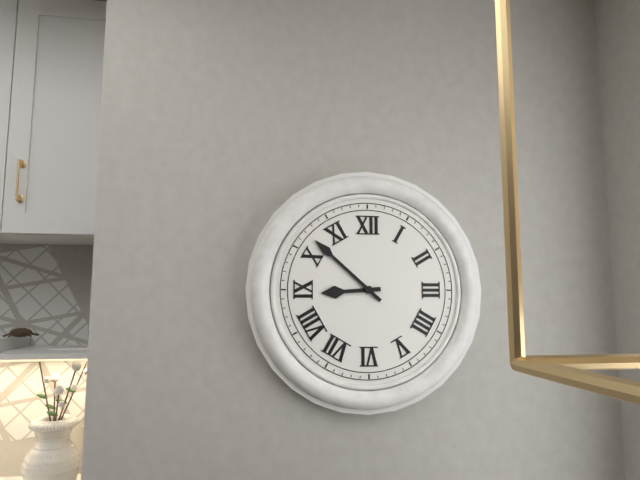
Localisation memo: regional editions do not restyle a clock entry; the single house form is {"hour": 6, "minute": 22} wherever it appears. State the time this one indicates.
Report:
{"hour": 8, "minute": 52}
